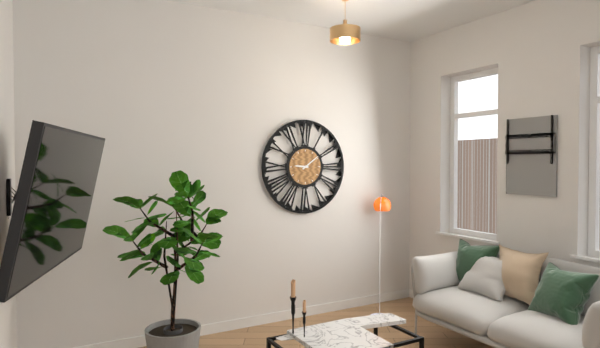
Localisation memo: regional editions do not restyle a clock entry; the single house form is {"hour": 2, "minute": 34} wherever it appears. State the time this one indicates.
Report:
{"hour": 9, "minute": 9}
